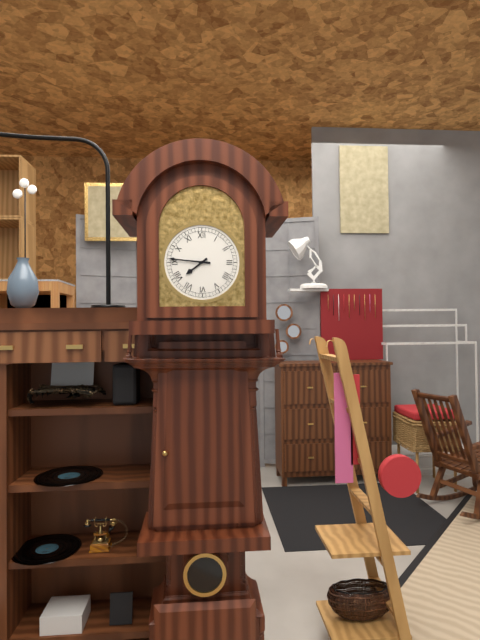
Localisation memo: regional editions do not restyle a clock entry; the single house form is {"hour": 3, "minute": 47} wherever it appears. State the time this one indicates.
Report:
{"hour": 7, "minute": 46}
